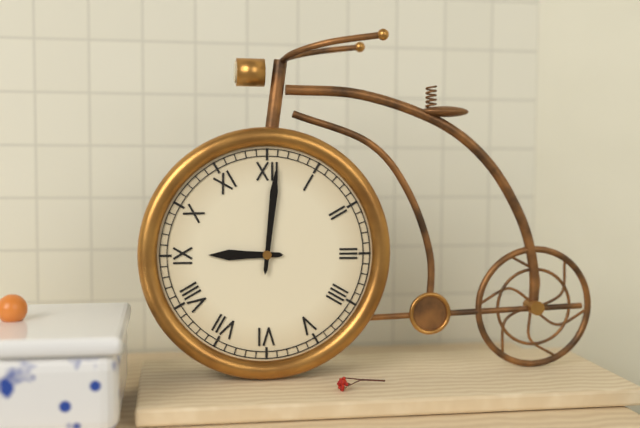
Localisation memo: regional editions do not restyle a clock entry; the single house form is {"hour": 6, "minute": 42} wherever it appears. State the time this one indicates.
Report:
{"hour": 9, "minute": 1}
